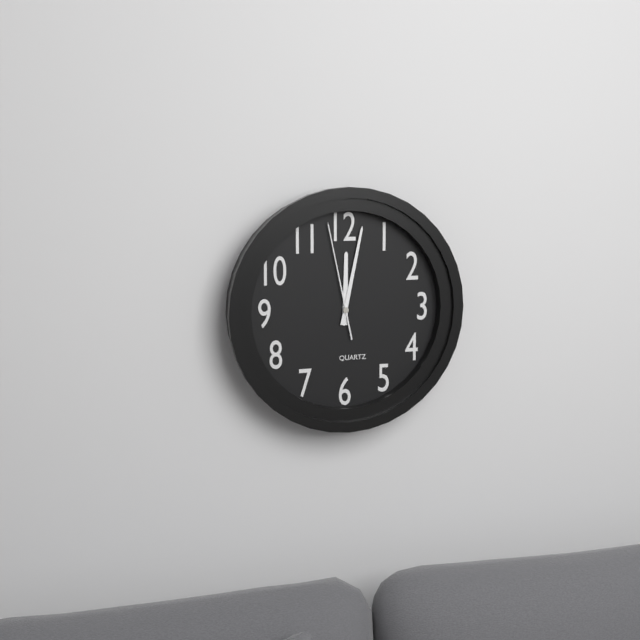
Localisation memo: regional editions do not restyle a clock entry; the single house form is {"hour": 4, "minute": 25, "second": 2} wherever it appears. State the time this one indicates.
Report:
{"hour": 12, "minute": 2, "second": 58}
